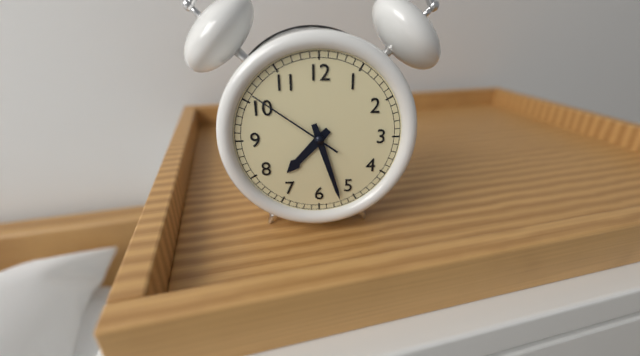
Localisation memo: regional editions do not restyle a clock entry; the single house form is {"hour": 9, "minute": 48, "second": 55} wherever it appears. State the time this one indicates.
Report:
{"hour": 7, "minute": 27, "second": 51}
